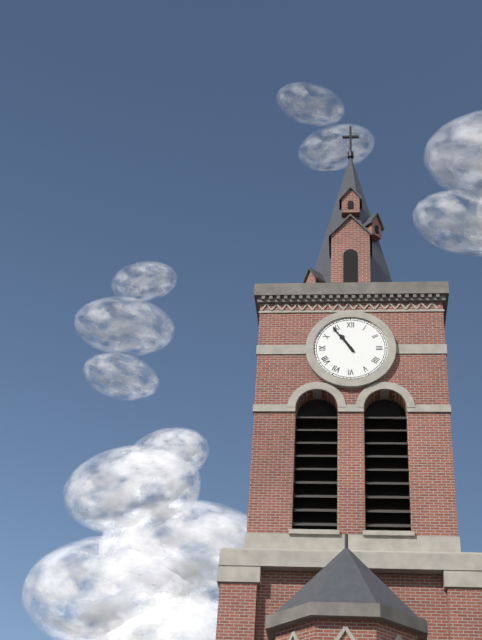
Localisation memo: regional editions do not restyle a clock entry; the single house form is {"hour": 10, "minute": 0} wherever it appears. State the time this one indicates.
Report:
{"hour": 10, "minute": 54}
